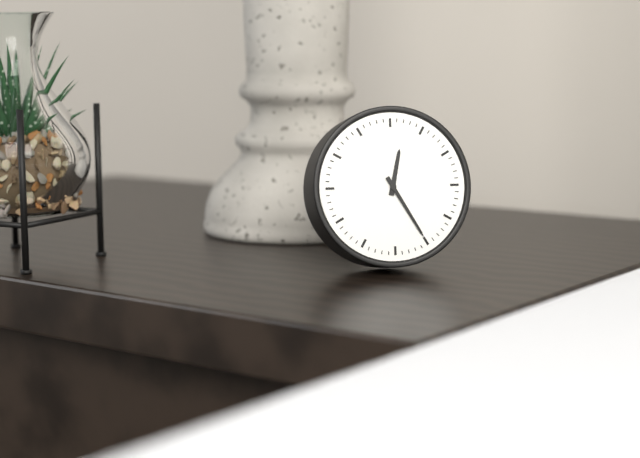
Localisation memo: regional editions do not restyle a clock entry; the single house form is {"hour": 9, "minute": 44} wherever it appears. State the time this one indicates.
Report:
{"hour": 12, "minute": 25}
